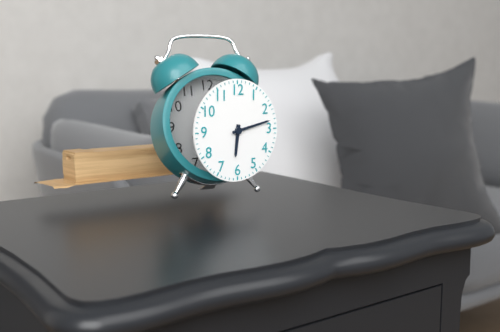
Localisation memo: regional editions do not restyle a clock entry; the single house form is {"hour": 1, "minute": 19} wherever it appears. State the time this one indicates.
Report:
{"hour": 6, "minute": 13}
